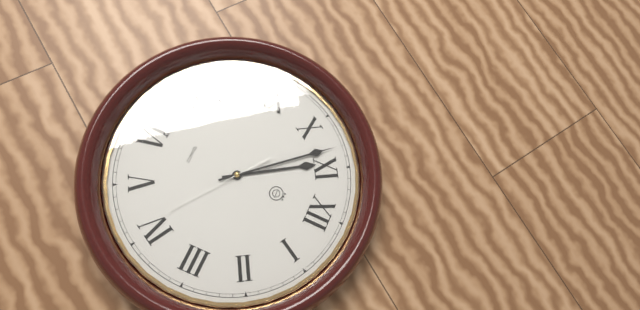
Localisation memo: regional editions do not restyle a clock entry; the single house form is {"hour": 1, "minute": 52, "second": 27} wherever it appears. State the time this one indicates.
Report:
{"hour": 10, "minute": 53, "second": 21}
